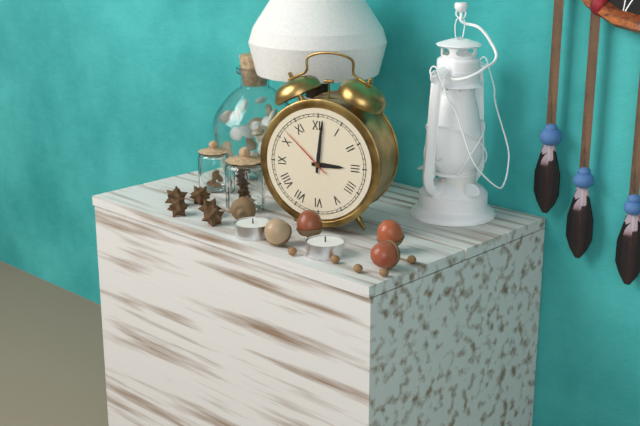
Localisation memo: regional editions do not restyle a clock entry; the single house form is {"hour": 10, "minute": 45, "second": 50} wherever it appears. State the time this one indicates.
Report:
{"hour": 3, "minute": 1, "second": 52}
